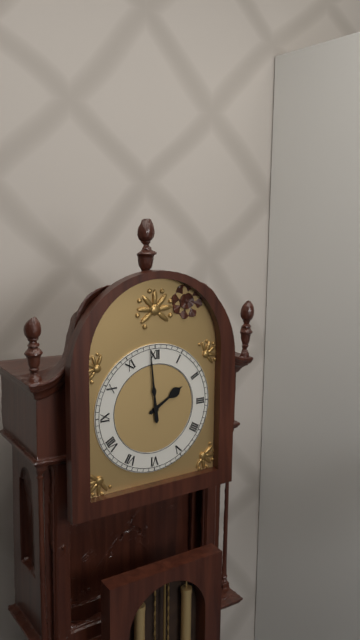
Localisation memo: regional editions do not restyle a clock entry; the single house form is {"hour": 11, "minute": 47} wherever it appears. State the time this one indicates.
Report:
{"hour": 1, "minute": 59}
